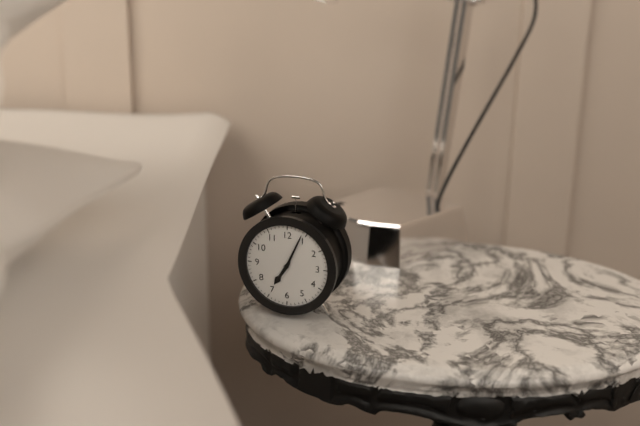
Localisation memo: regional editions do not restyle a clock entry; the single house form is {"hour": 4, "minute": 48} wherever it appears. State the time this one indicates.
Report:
{"hour": 7, "minute": 4}
